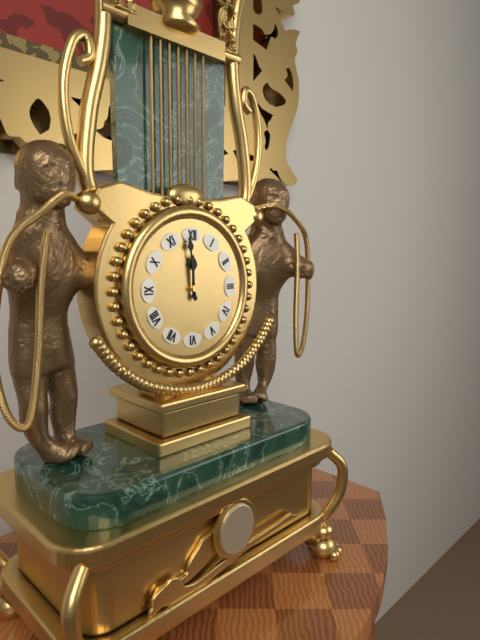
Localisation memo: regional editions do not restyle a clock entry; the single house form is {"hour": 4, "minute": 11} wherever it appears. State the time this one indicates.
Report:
{"hour": 11, "minute": 59}
